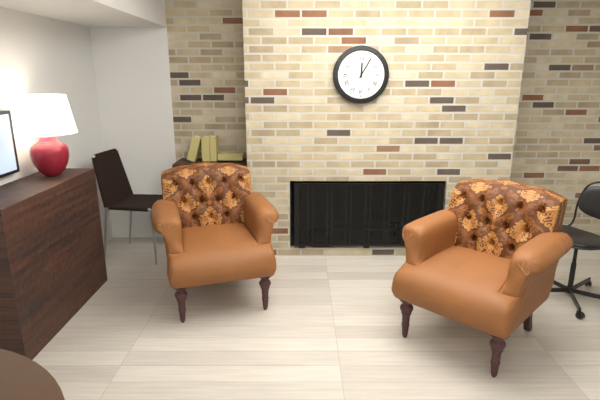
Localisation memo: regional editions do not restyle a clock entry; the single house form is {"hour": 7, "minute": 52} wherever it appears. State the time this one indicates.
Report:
{"hour": 12, "minute": 5}
